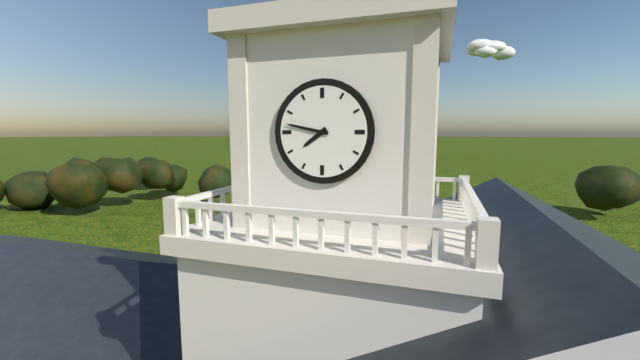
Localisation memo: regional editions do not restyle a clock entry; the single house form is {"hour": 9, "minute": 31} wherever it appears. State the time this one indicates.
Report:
{"hour": 7, "minute": 47}
